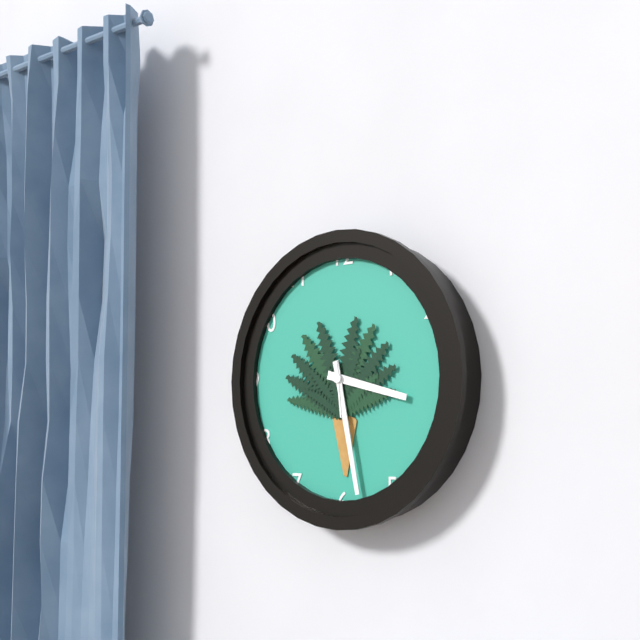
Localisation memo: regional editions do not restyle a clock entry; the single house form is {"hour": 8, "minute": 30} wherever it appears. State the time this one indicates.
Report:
{"hour": 3, "minute": 28}
